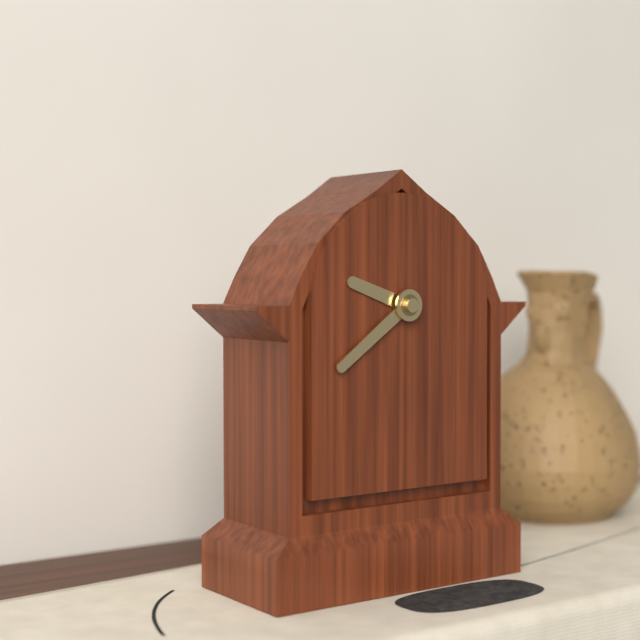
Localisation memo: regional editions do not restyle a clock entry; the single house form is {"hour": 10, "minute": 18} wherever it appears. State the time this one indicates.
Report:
{"hour": 9, "minute": 39}
